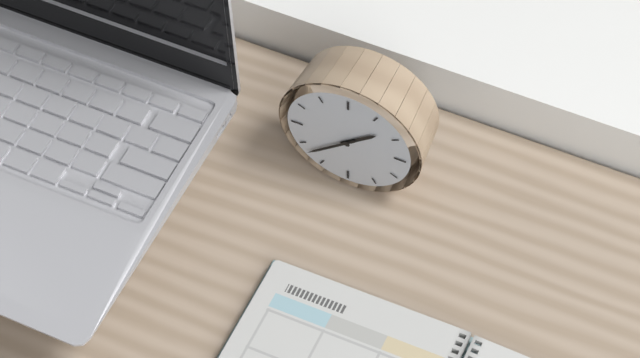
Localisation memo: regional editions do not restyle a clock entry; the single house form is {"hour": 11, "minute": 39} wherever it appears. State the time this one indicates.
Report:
{"hour": 1, "minute": 38}
